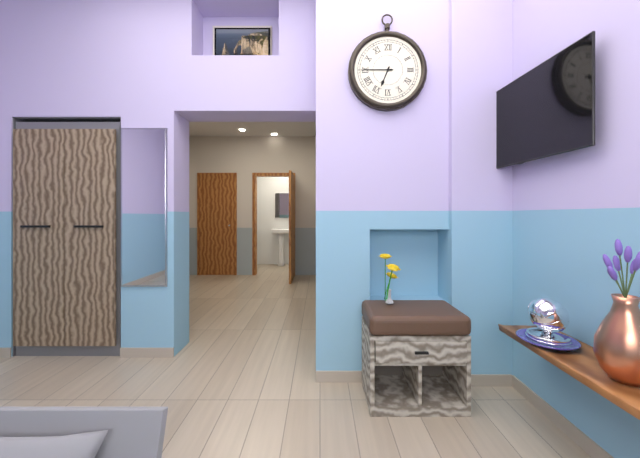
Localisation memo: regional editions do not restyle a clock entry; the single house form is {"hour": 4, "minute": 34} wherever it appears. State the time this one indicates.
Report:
{"hour": 6, "minute": 45}
